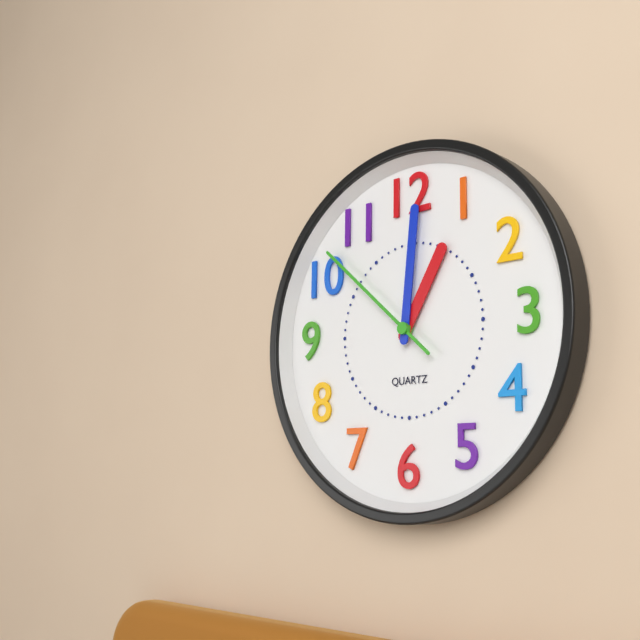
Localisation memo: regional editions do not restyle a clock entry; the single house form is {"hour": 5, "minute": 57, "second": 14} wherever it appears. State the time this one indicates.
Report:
{"hour": 1, "minute": 1, "second": 52}
